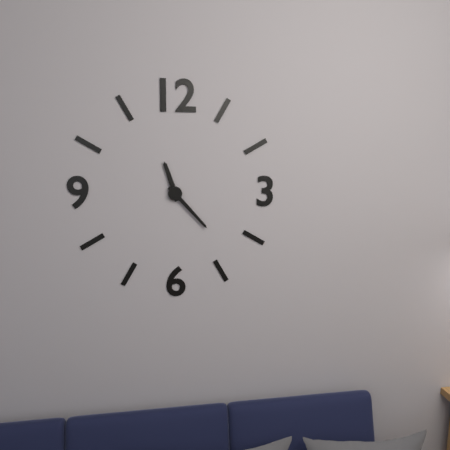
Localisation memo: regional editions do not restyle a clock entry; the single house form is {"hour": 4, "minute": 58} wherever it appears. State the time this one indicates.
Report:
{"hour": 11, "minute": 23}
